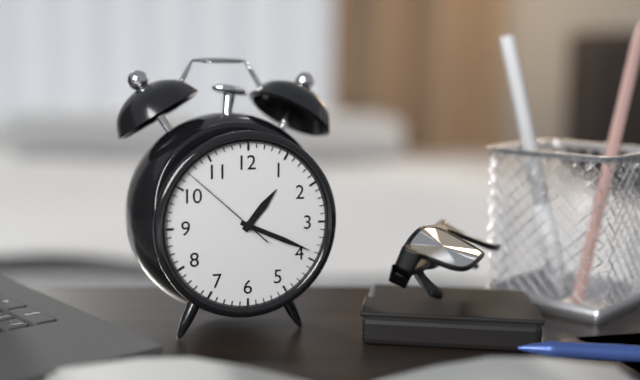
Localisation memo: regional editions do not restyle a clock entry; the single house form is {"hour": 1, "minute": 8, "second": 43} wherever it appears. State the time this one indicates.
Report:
{"hour": 1, "minute": 19, "second": 52}
